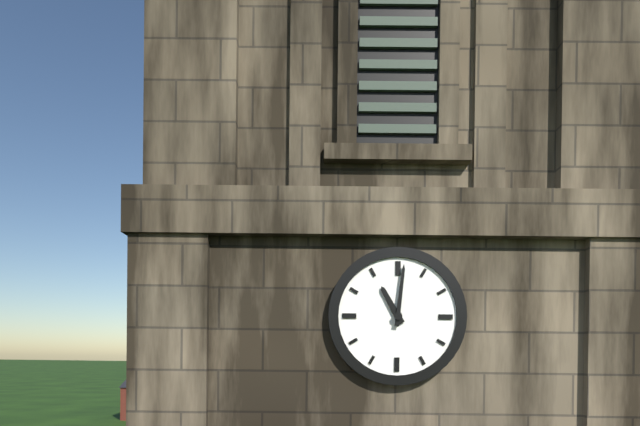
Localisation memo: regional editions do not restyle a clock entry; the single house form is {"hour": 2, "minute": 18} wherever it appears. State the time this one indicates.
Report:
{"hour": 11, "minute": 1}
